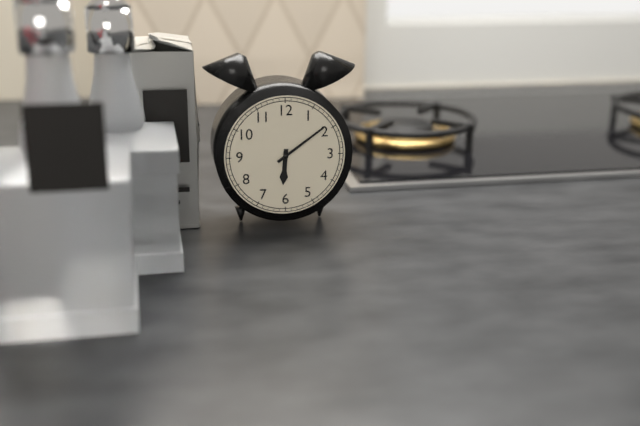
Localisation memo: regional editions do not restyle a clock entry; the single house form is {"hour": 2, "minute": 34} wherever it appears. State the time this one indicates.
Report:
{"hour": 6, "minute": 9}
